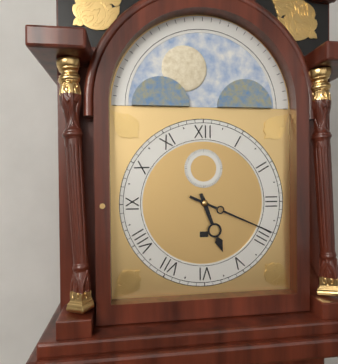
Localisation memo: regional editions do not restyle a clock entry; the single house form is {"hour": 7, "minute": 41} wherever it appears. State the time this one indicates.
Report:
{"hour": 5, "minute": 19}
